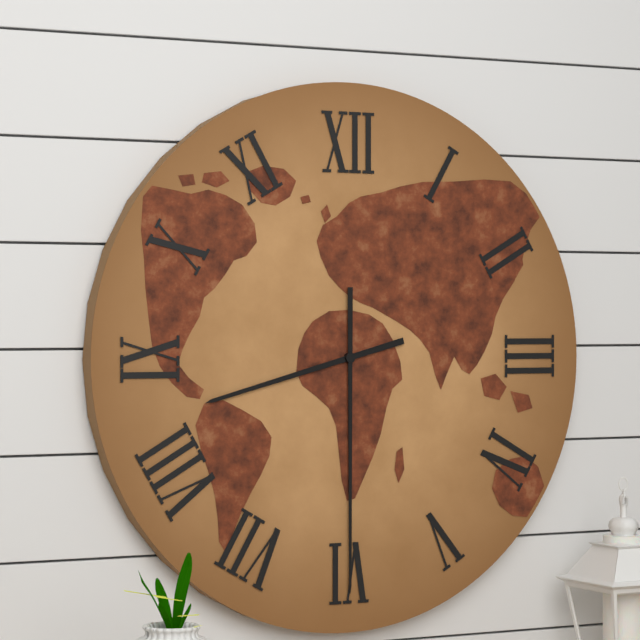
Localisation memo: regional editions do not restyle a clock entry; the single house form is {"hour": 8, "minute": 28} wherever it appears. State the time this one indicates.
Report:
{"hour": 8, "minute": 30}
